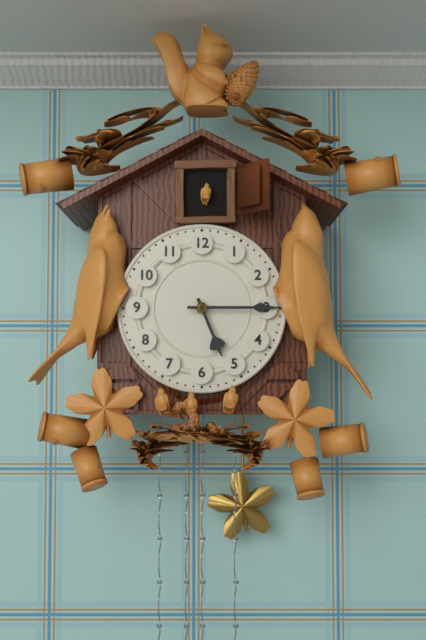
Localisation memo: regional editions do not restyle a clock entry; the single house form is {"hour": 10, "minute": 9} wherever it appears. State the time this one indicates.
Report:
{"hour": 5, "minute": 15}
